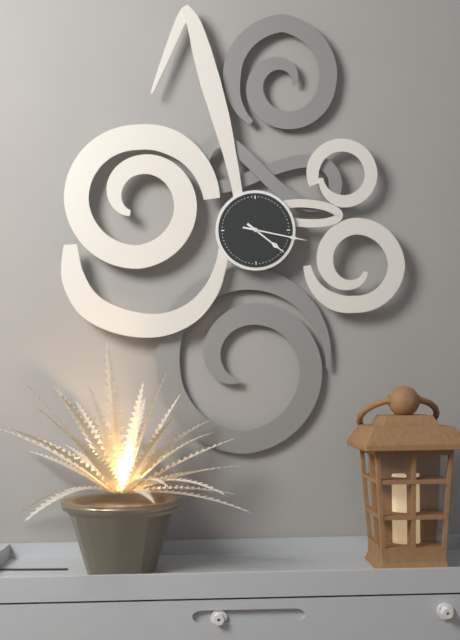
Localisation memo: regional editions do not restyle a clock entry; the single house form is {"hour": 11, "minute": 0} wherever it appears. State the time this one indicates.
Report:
{"hour": 4, "minute": 17}
